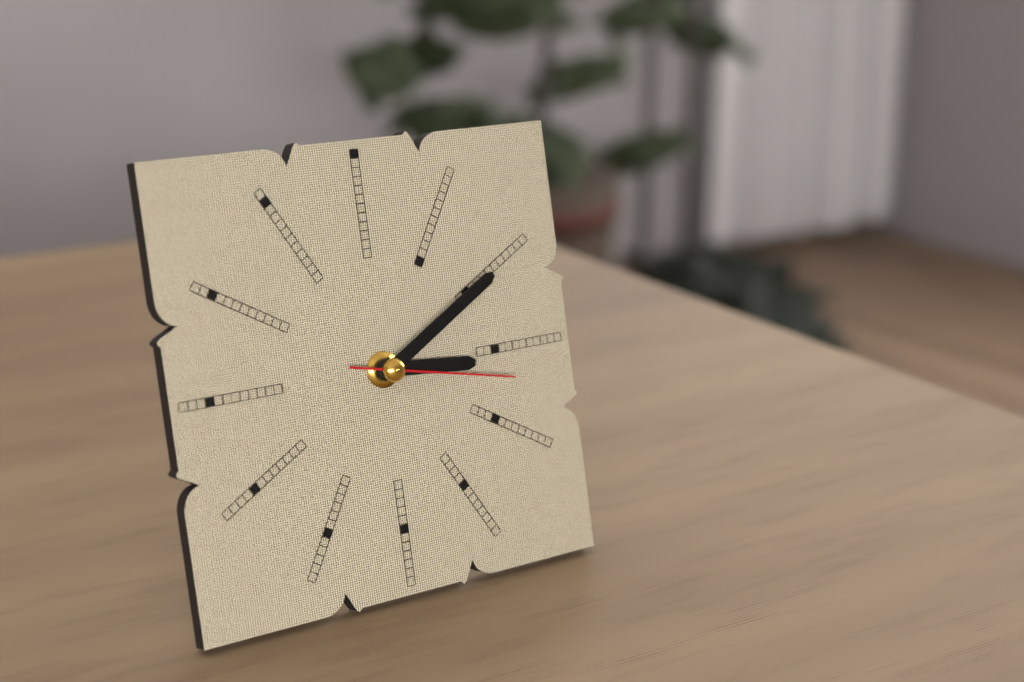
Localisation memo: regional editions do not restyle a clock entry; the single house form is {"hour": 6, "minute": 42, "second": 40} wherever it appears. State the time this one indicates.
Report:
{"hour": 3, "minute": 10, "second": 17}
